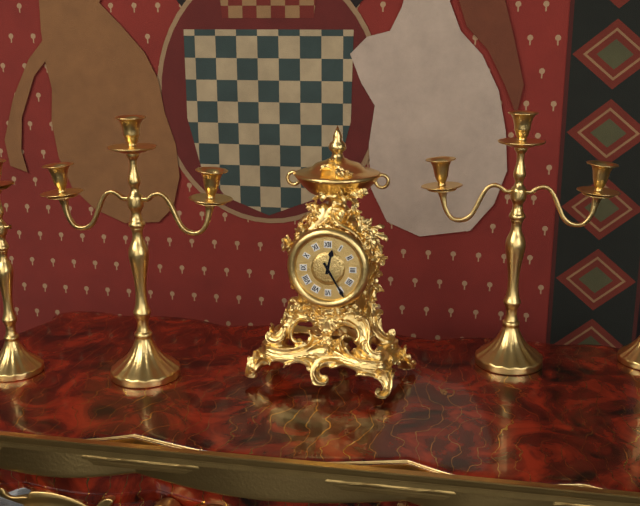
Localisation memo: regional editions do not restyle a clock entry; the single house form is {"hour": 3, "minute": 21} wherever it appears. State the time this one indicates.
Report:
{"hour": 12, "minute": 25}
